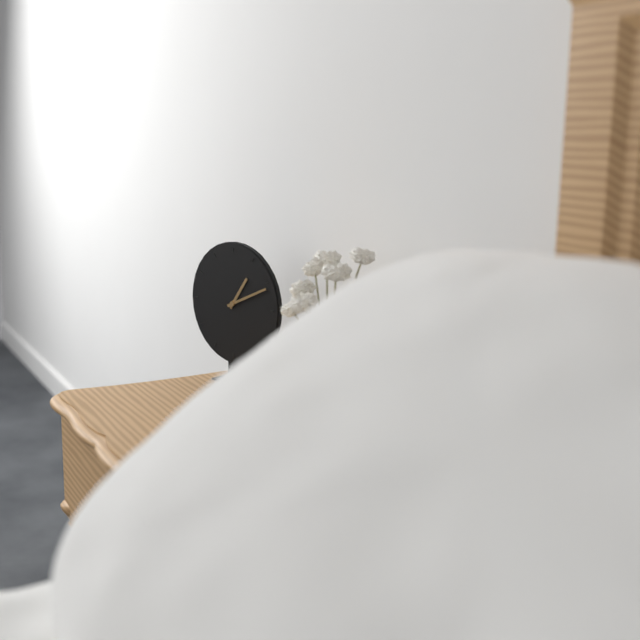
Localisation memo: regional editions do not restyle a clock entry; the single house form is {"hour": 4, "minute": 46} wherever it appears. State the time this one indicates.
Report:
{"hour": 1, "minute": 11}
